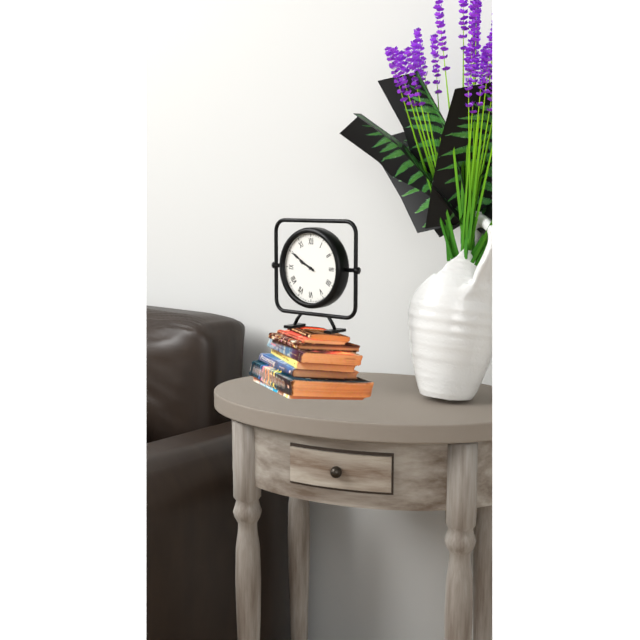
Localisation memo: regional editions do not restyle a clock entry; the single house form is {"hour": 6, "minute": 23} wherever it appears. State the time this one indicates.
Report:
{"hour": 9, "minute": 50}
